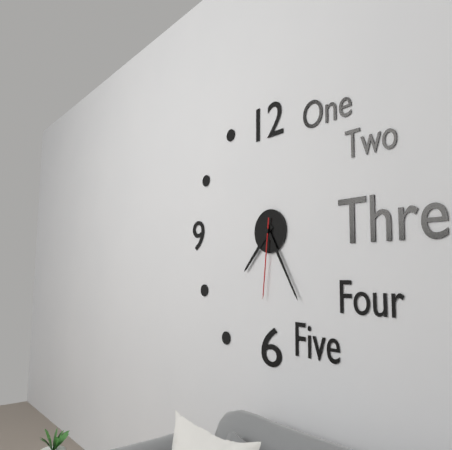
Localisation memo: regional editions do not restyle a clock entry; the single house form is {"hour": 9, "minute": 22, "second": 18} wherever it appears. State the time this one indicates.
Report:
{"hour": 7, "minute": 25, "second": 31}
